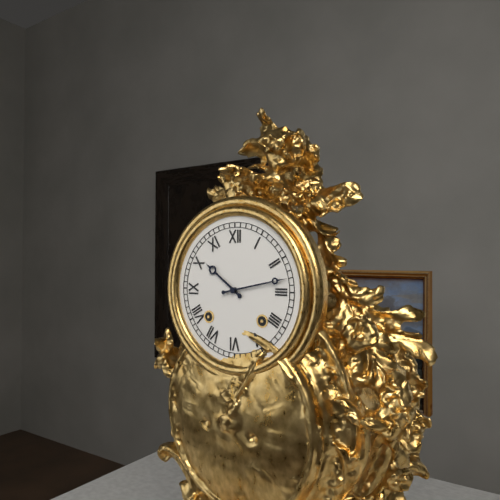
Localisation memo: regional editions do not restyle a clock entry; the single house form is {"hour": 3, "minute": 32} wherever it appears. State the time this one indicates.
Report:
{"hour": 10, "minute": 13}
